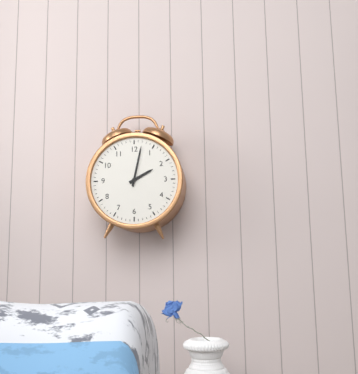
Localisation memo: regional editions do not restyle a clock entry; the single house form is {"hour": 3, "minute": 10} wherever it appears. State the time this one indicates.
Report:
{"hour": 2, "minute": 2}
